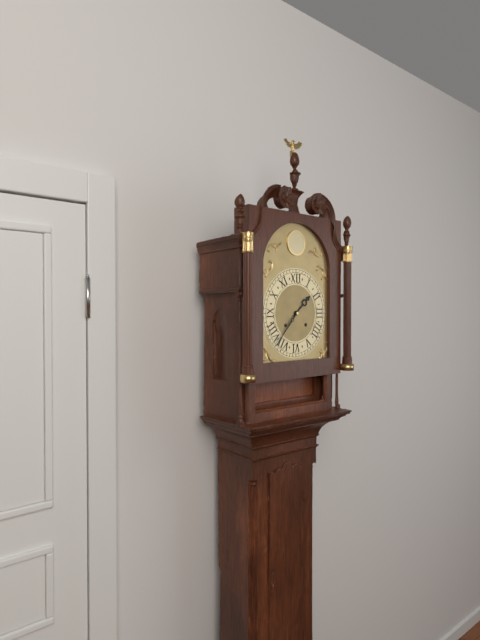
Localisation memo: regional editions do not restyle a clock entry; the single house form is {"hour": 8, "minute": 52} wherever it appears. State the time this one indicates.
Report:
{"hour": 1, "minute": 37}
